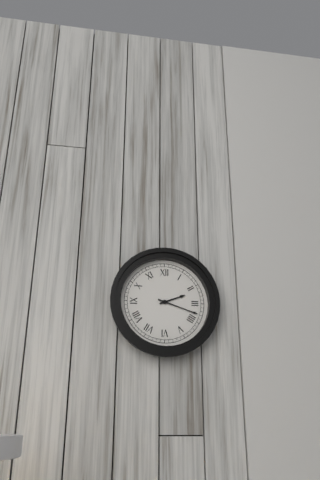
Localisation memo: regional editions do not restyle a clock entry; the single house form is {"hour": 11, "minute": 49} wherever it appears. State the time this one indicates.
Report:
{"hour": 2, "minute": 18}
